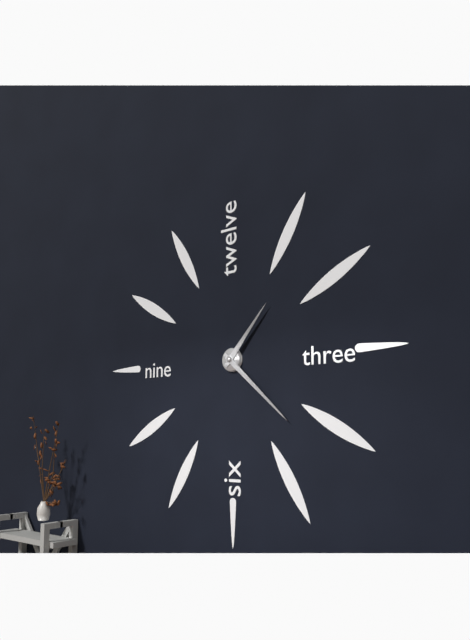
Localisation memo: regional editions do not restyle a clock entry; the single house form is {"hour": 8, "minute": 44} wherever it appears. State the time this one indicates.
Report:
{"hour": 1, "minute": 22}
